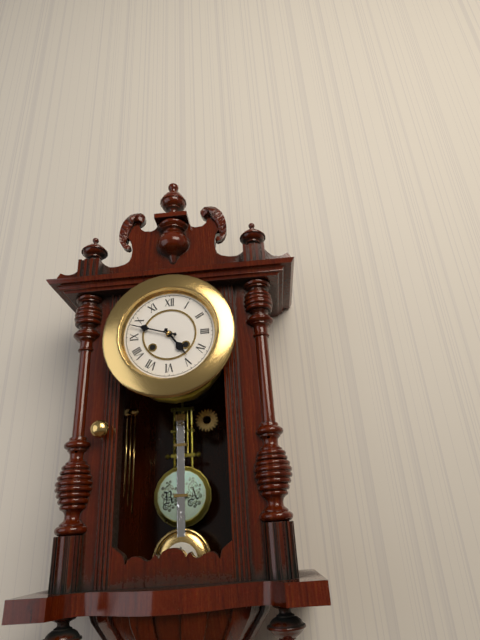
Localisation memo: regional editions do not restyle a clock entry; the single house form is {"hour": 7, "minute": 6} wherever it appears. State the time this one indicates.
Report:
{"hour": 4, "minute": 48}
